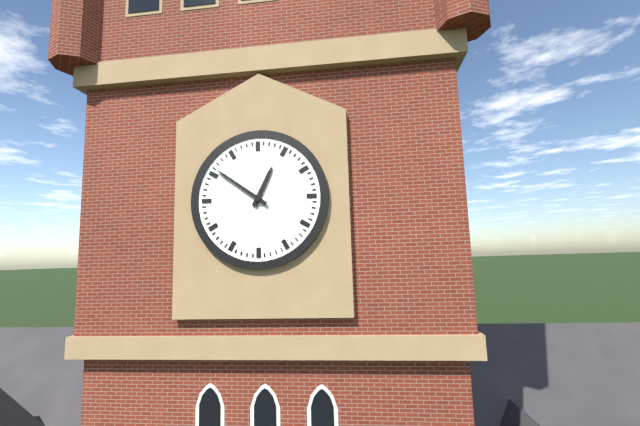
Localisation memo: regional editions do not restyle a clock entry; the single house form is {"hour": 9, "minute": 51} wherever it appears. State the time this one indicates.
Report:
{"hour": 12, "minute": 51}
